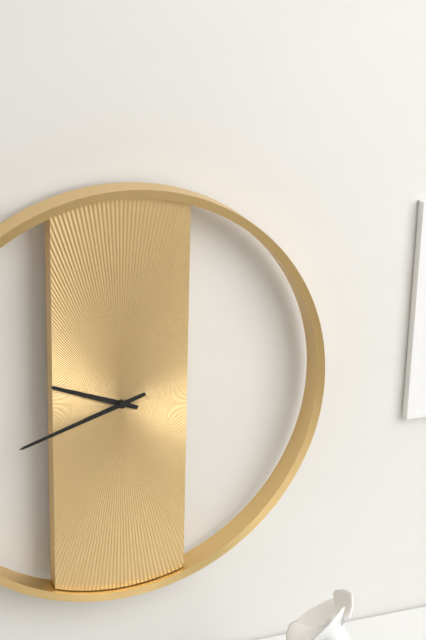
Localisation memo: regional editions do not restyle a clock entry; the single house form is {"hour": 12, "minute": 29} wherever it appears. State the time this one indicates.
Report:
{"hour": 9, "minute": 42}
